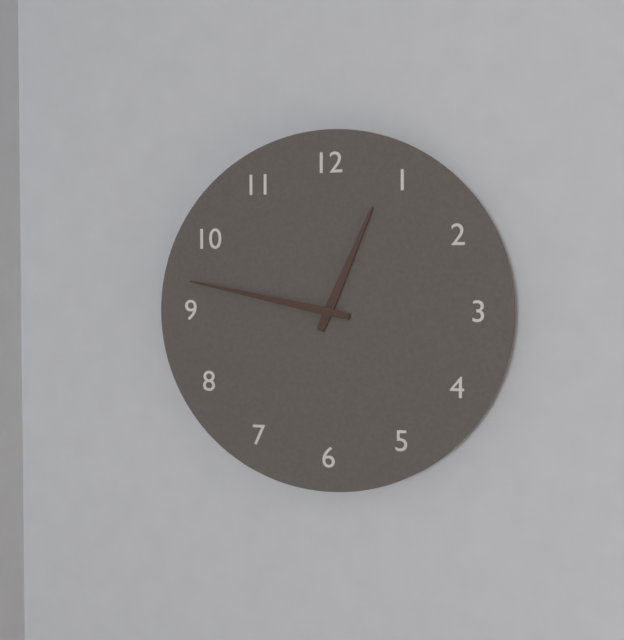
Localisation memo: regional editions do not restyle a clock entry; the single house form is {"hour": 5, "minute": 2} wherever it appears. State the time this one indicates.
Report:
{"hour": 12, "minute": 47}
